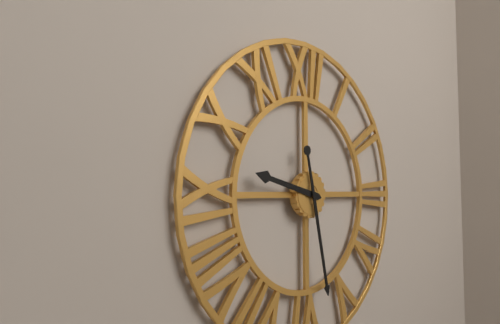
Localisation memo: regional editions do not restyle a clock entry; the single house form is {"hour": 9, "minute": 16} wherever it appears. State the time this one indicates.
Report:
{"hour": 9, "minute": 28}
